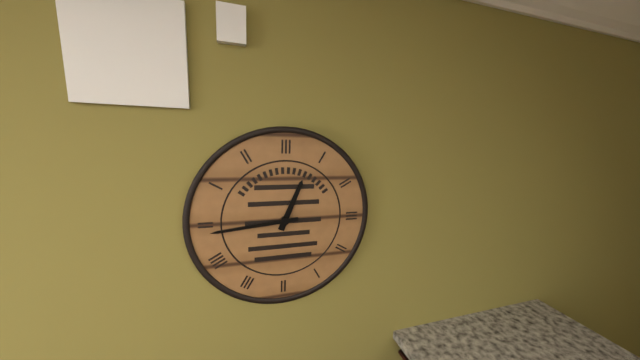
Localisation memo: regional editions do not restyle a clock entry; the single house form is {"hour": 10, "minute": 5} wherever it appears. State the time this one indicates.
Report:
{"hour": 12, "minute": 44}
